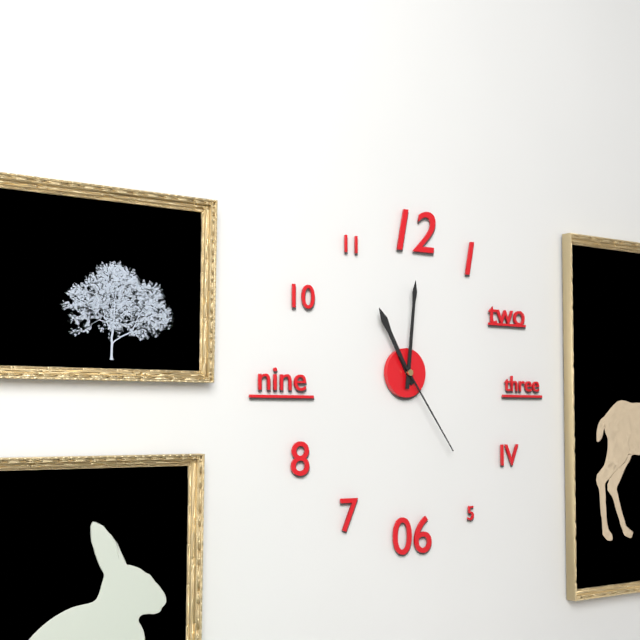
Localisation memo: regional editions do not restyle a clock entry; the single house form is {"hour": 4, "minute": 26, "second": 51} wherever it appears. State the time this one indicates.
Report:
{"hour": 11, "minute": 1, "second": 24}
